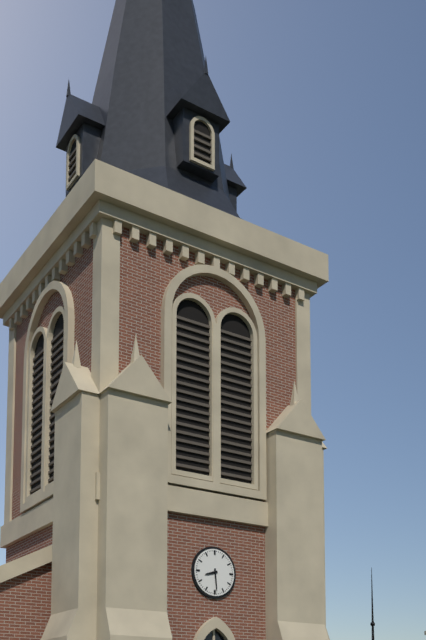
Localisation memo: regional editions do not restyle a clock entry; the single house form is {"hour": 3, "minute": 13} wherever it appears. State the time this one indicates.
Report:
{"hour": 8, "minute": 29}
